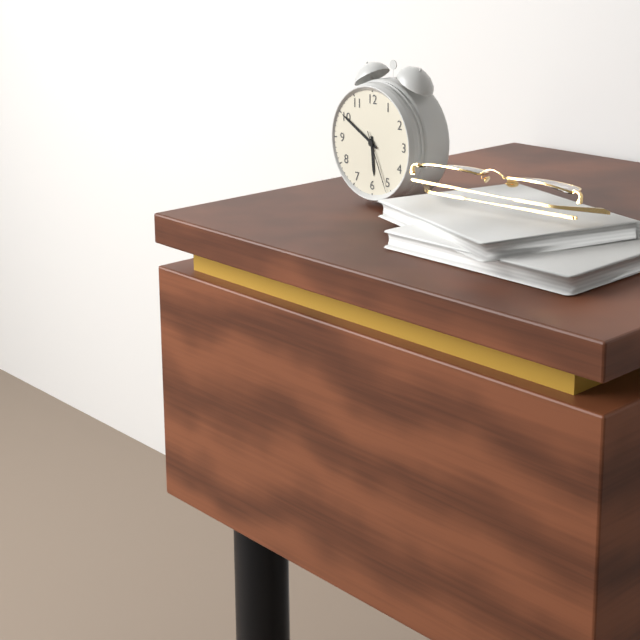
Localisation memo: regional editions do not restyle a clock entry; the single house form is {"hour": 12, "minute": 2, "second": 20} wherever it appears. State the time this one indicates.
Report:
{"hour": 5, "minute": 50, "second": 26}
